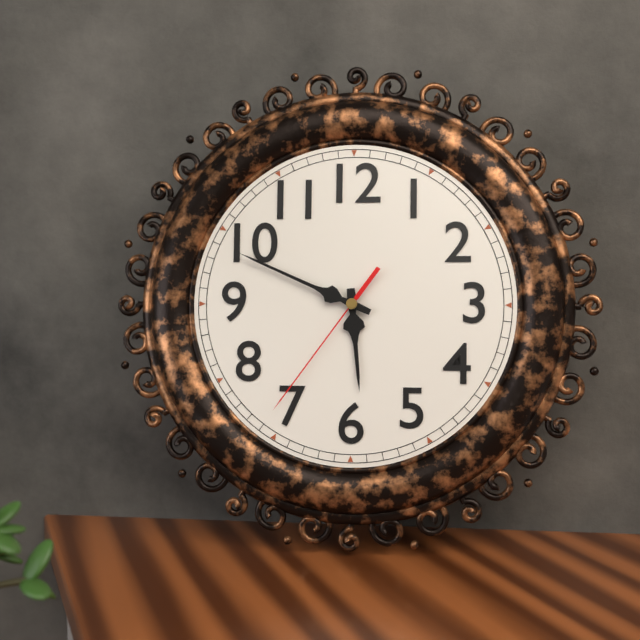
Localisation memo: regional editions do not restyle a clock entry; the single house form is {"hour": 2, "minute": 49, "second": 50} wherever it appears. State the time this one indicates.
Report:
{"hour": 5, "minute": 49, "second": 36}
